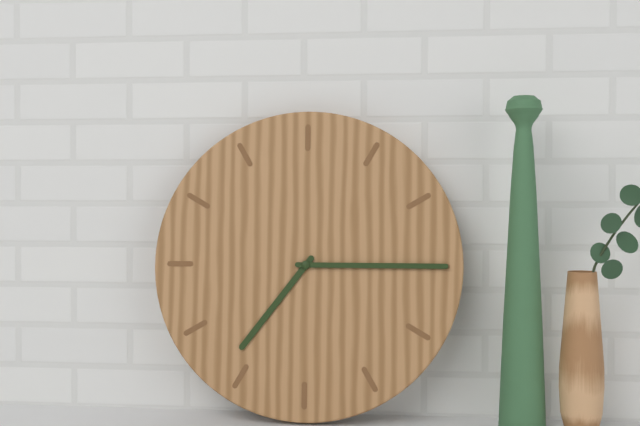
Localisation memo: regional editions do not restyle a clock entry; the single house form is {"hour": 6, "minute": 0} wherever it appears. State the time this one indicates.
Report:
{"hour": 7, "minute": 15}
